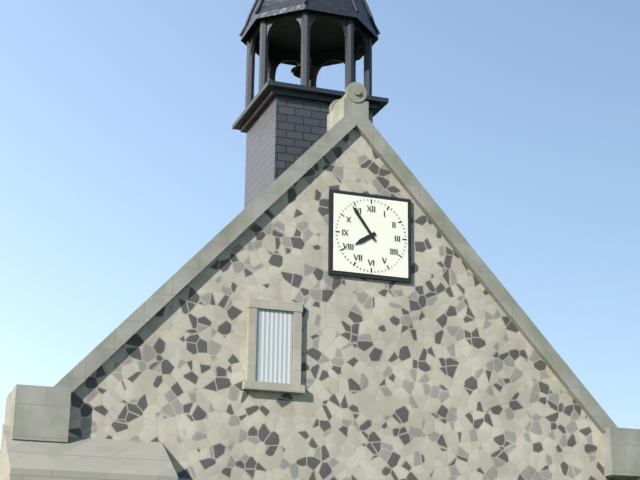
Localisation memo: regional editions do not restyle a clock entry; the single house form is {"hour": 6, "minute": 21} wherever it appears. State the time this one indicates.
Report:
{"hour": 7, "minute": 54}
